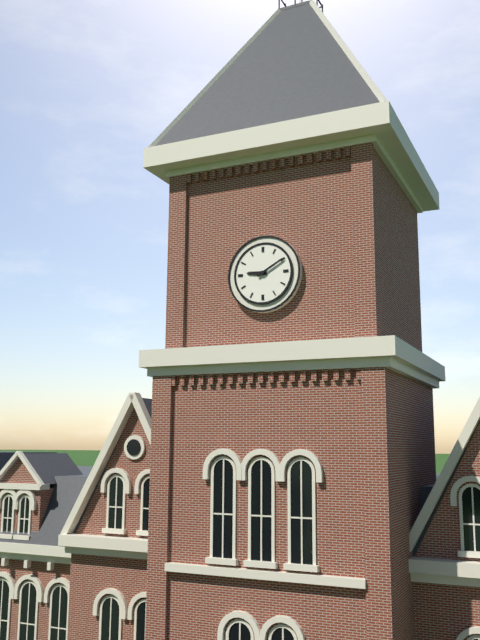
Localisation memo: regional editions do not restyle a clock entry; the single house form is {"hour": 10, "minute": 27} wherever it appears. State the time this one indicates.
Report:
{"hour": 9, "minute": 10}
